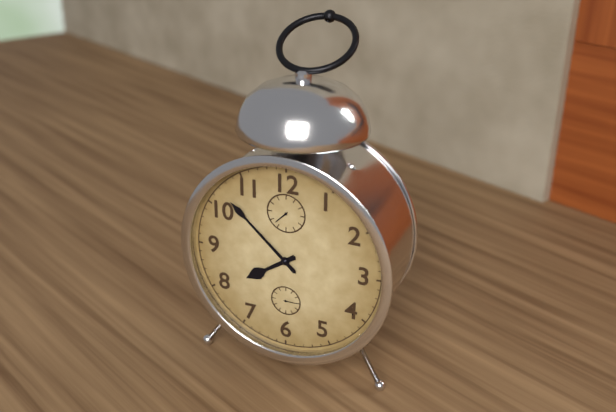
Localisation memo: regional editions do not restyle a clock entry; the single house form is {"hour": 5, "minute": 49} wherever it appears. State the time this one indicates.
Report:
{"hour": 7, "minute": 52}
